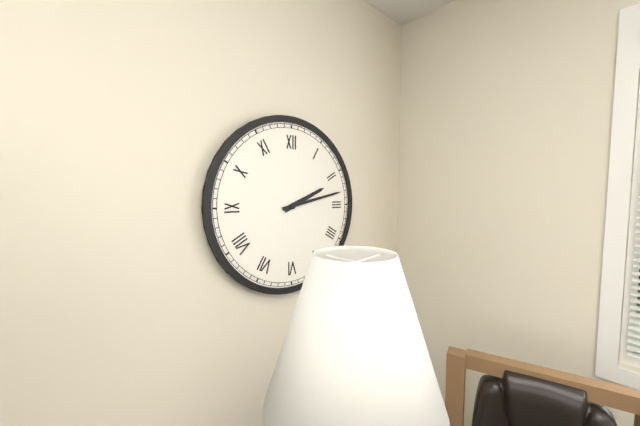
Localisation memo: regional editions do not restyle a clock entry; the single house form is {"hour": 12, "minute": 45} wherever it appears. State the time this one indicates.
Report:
{"hour": 2, "minute": 13}
